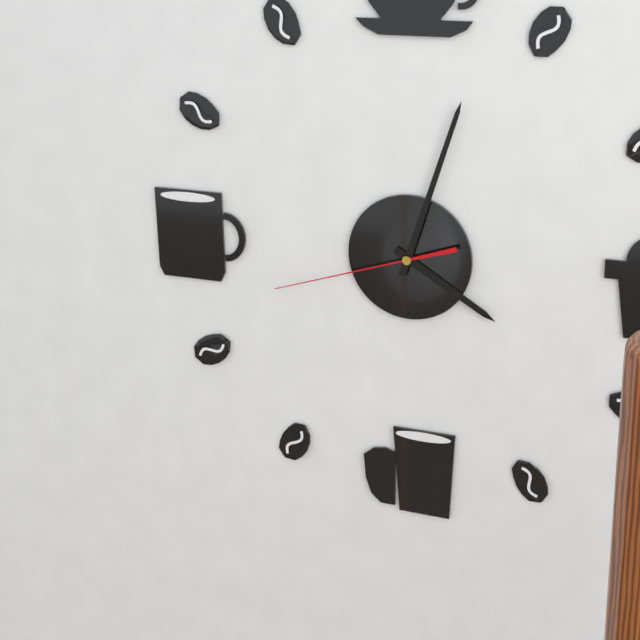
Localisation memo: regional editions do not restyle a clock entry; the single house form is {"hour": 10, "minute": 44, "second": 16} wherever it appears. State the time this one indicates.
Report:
{"hour": 4, "minute": 3, "second": 42}
